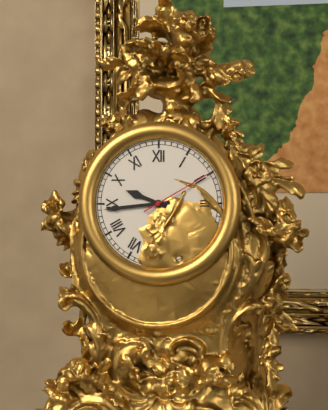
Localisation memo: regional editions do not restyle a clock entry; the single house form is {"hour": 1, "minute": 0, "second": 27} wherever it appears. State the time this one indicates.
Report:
{"hour": 9, "minute": 44, "second": 10}
